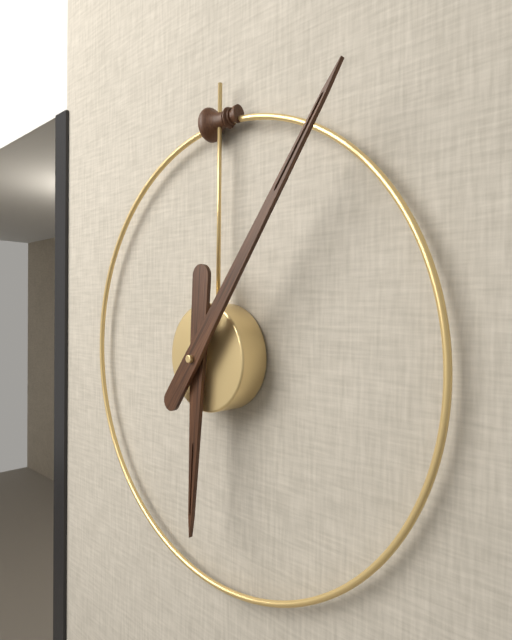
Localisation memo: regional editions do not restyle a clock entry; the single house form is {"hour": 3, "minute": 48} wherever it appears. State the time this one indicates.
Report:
{"hour": 6, "minute": 6}
